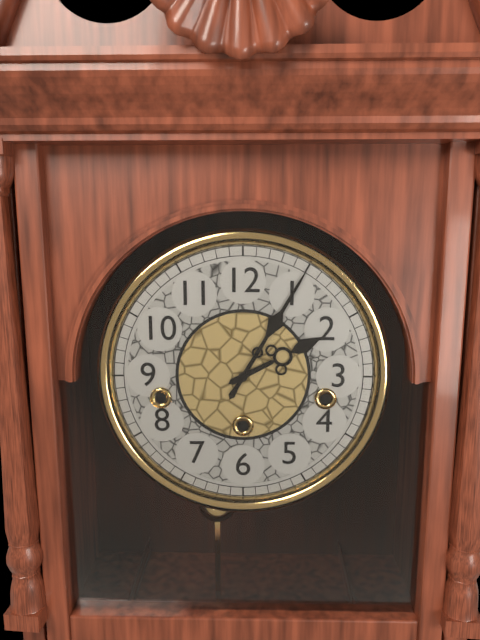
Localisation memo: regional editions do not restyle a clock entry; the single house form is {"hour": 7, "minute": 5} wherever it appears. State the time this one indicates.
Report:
{"hour": 2, "minute": 5}
